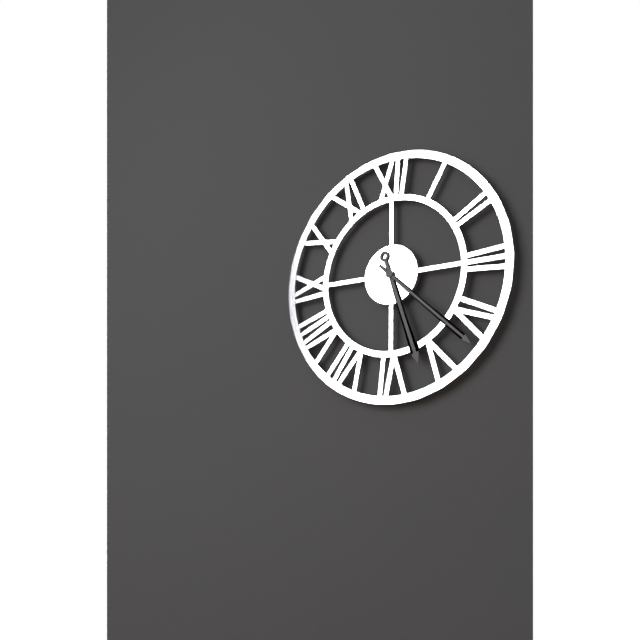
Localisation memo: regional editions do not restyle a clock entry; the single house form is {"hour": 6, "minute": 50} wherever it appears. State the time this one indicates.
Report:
{"hour": 5, "minute": 22}
